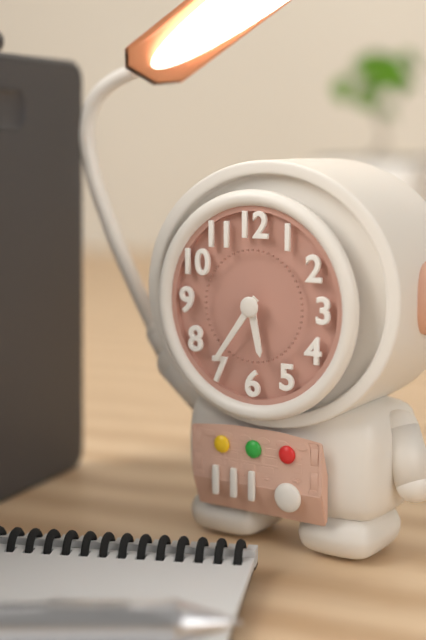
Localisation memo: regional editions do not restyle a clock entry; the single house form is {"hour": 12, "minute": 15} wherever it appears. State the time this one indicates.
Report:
{"hour": 5, "minute": 36}
